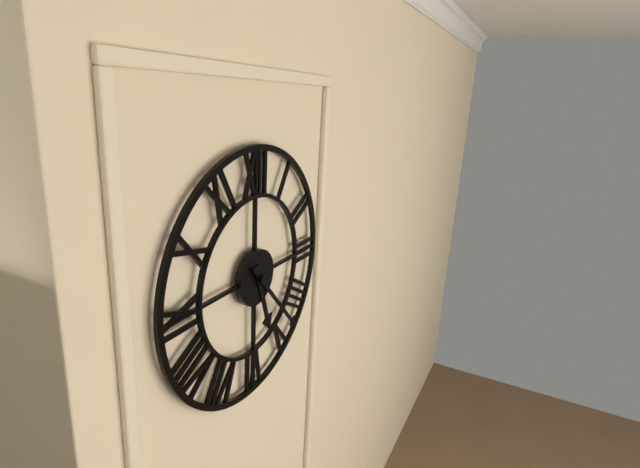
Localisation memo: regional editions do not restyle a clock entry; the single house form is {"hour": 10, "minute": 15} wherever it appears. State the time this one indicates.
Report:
{"hour": 5, "minute": 23}
